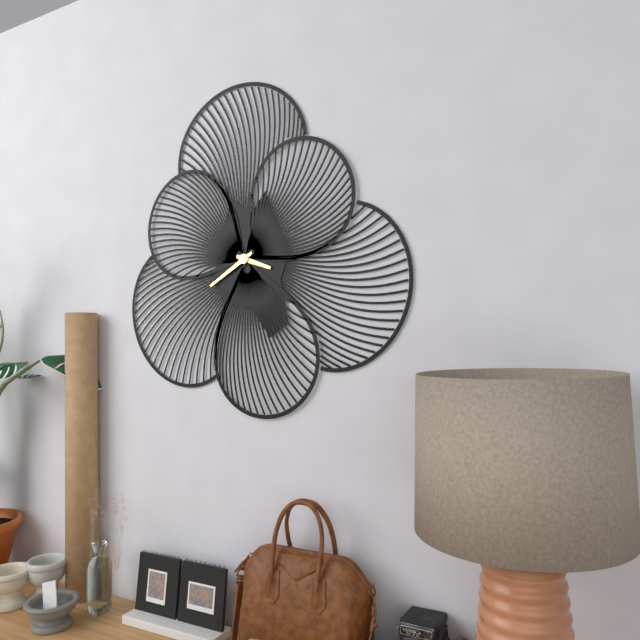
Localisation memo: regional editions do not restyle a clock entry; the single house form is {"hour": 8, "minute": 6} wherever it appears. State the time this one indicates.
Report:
{"hour": 3, "minute": 40}
